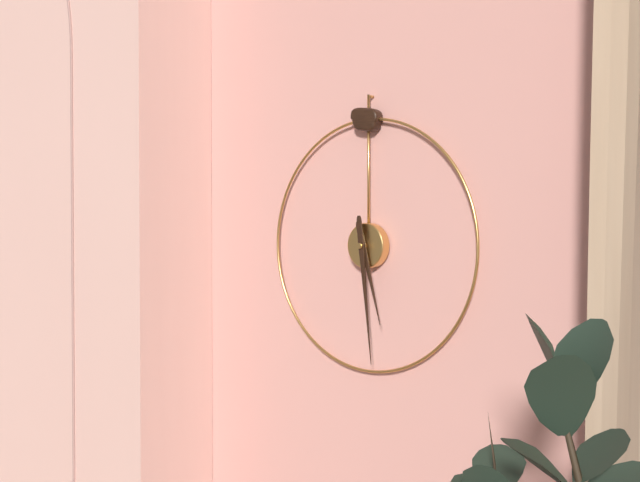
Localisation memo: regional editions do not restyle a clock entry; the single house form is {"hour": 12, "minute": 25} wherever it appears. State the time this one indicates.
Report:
{"hour": 5, "minute": 29}
